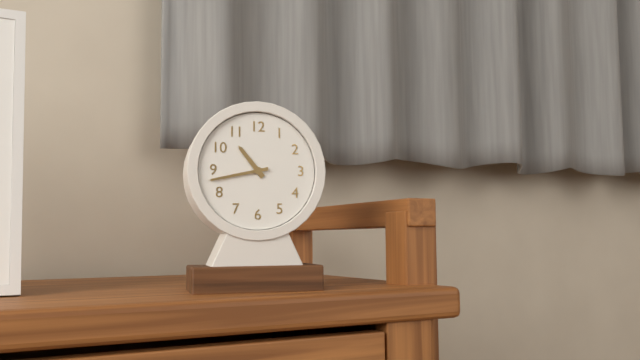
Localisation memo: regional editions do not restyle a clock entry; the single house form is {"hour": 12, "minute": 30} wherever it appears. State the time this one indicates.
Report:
{"hour": 10, "minute": 43}
